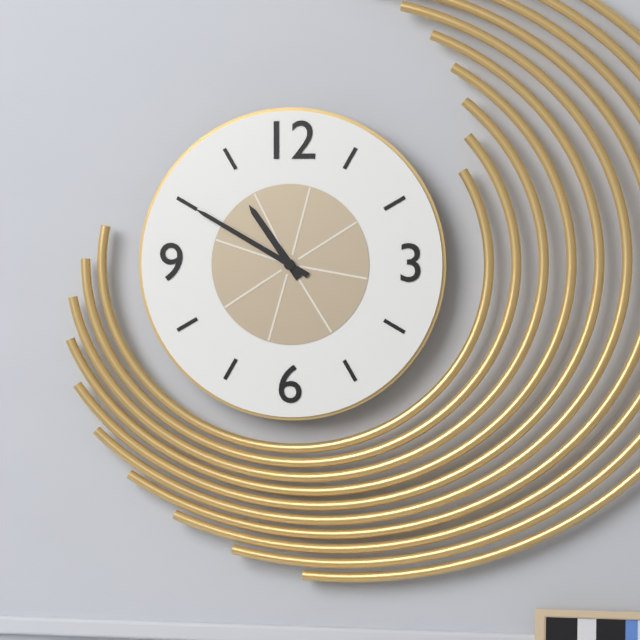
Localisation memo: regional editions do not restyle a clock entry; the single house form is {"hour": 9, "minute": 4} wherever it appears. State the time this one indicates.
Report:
{"hour": 10, "minute": 50}
